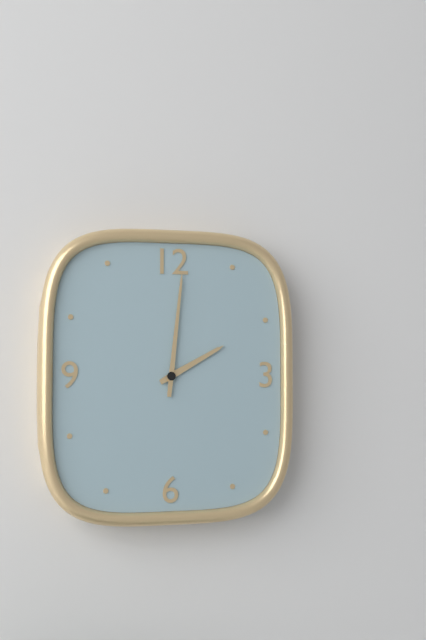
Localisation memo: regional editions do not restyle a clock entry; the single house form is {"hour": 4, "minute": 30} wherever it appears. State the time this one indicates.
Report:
{"hour": 2, "minute": 1}
